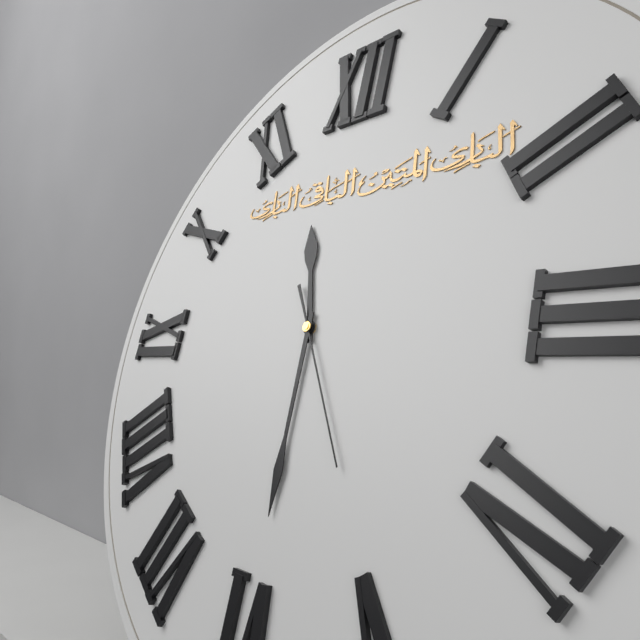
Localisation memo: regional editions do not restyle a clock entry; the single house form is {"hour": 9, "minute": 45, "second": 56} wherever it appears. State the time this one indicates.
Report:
{"hour": 11, "minute": 30, "second": 25}
